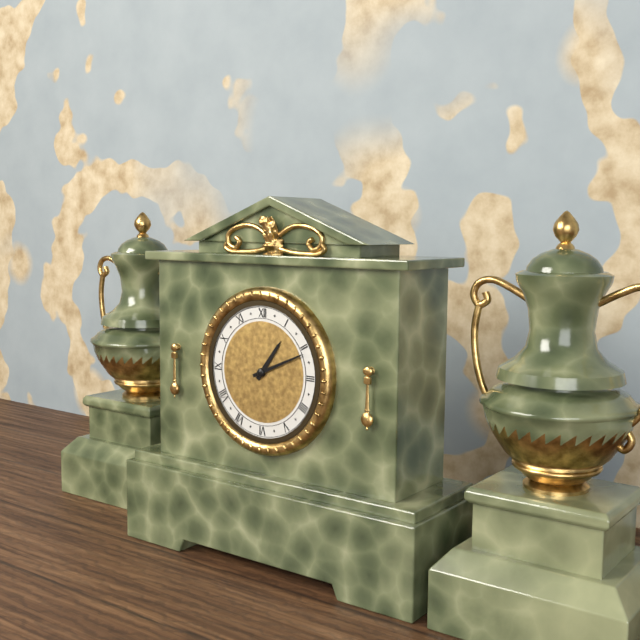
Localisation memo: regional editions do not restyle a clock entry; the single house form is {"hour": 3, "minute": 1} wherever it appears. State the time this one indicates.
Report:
{"hour": 1, "minute": 11}
